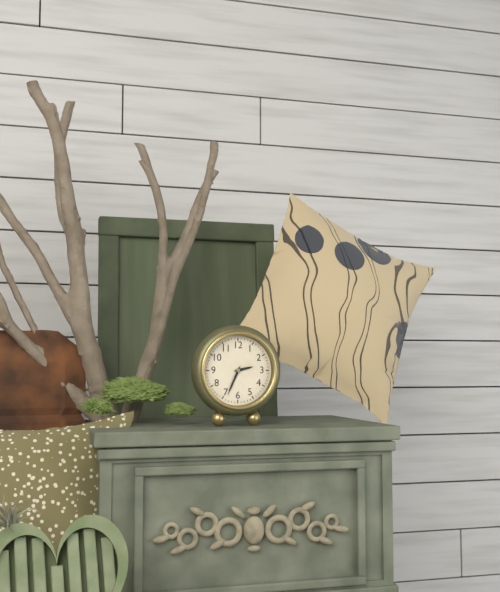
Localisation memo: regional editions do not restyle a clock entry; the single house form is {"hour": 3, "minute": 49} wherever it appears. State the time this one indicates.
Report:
{"hour": 2, "minute": 34}
